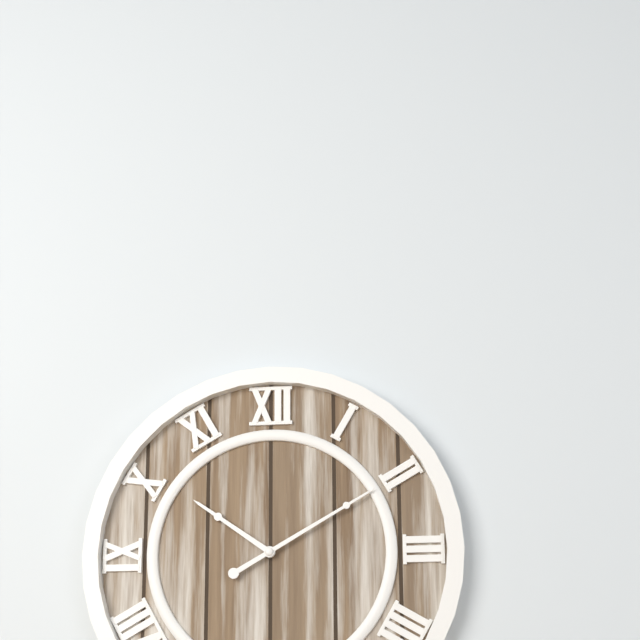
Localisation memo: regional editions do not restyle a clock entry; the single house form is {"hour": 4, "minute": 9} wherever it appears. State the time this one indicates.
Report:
{"hour": 10, "minute": 10}
